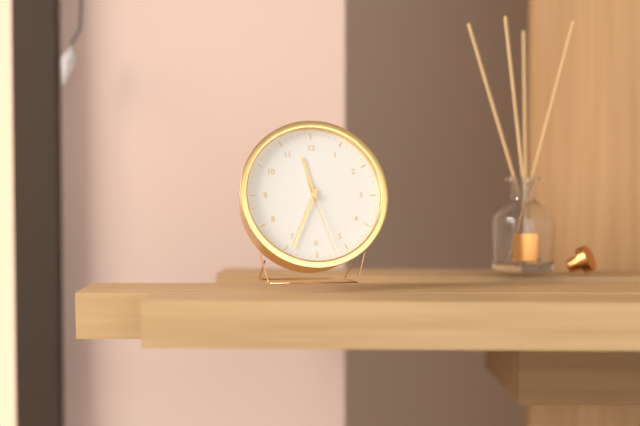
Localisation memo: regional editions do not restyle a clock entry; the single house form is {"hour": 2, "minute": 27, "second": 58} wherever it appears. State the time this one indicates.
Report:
{"hour": 11, "minute": 34, "second": 27}
